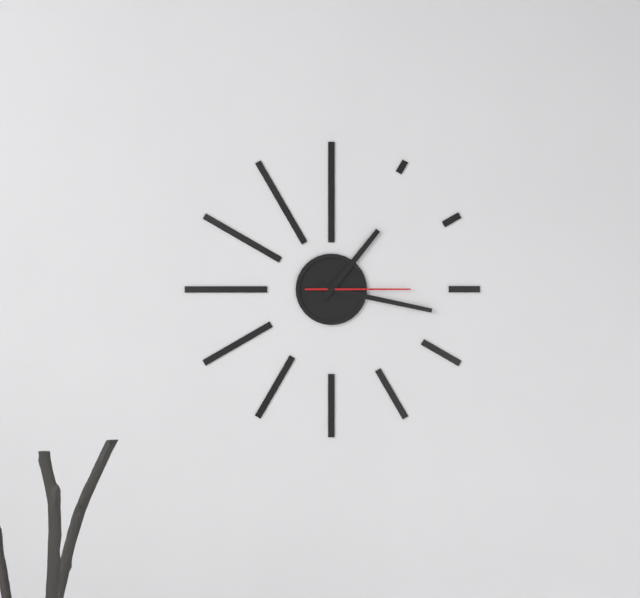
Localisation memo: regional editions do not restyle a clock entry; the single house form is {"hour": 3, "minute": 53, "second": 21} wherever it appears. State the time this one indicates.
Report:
{"hour": 1, "minute": 17, "second": 15}
